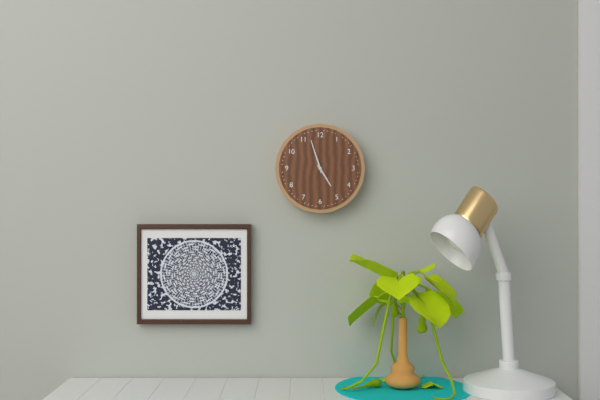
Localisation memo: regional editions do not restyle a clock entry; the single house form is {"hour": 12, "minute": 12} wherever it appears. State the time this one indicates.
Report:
{"hour": 4, "minute": 57}
